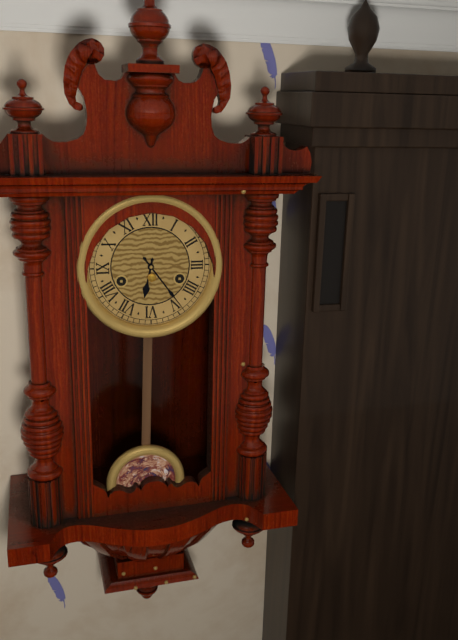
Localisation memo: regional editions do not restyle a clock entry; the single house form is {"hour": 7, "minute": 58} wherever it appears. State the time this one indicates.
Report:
{"hour": 6, "minute": 24}
